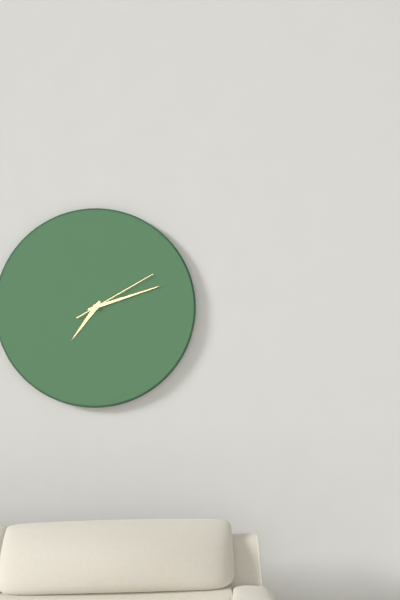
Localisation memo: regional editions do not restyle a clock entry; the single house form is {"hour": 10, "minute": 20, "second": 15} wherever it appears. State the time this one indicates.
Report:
{"hour": 7, "minute": 12, "second": 10}
